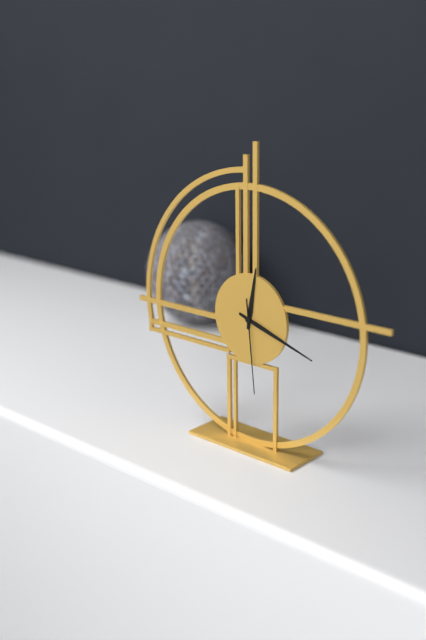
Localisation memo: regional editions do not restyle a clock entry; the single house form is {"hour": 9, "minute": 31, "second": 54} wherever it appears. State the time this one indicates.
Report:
{"hour": 12, "minute": 18, "second": 29}
